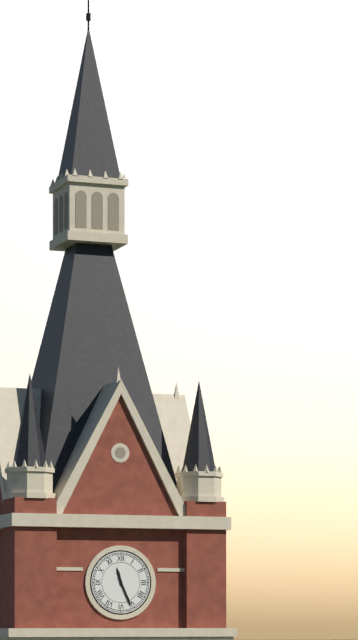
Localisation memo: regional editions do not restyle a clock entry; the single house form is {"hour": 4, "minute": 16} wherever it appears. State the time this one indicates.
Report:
{"hour": 11, "minute": 26}
